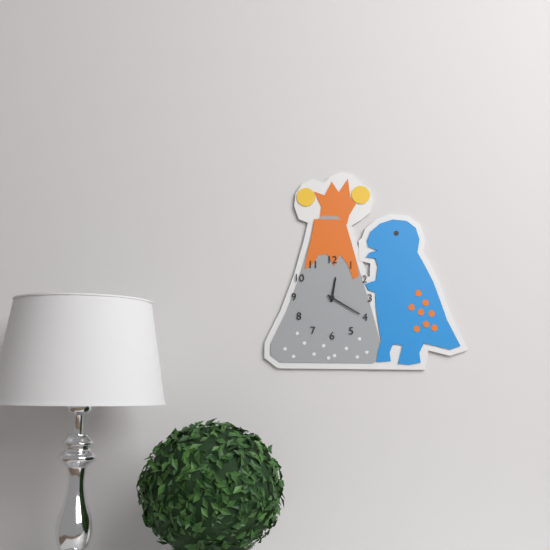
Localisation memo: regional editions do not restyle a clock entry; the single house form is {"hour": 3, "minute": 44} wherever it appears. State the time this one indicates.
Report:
{"hour": 12, "minute": 20}
